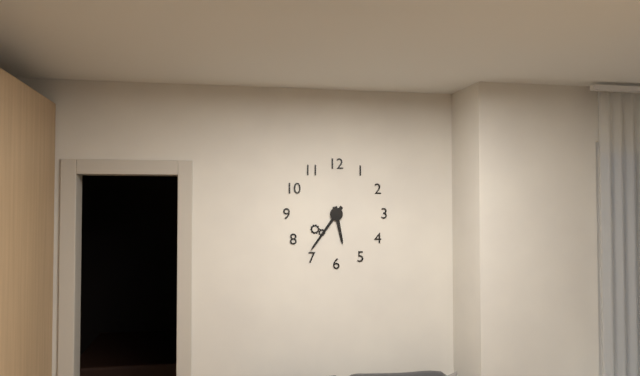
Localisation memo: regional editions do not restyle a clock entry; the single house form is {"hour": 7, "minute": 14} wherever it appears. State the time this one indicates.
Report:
{"hour": 5, "minute": 36}
